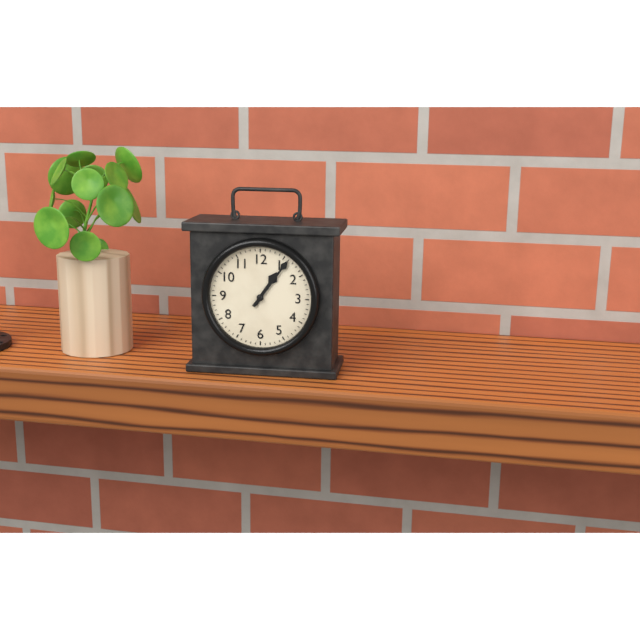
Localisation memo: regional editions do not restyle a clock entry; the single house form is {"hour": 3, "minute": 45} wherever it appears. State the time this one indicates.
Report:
{"hour": 1, "minute": 6}
